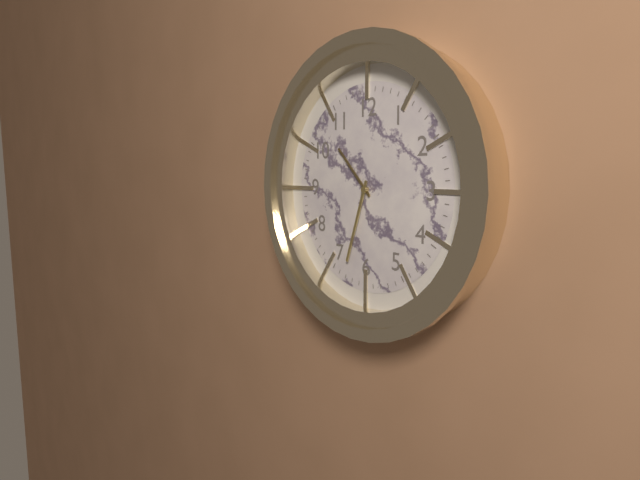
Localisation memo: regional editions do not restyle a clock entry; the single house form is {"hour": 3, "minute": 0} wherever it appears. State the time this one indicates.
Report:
{"hour": 10, "minute": 33}
